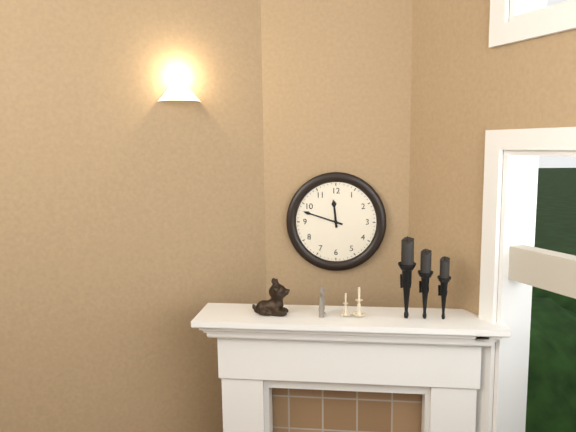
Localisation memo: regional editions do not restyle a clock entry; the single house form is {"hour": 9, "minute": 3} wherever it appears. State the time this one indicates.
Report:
{"hour": 11, "minute": 48}
